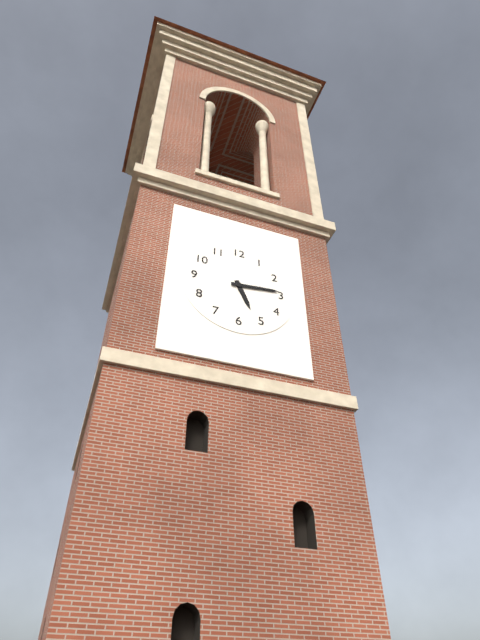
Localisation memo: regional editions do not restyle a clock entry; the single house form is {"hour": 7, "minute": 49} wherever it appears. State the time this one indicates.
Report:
{"hour": 5, "minute": 14}
